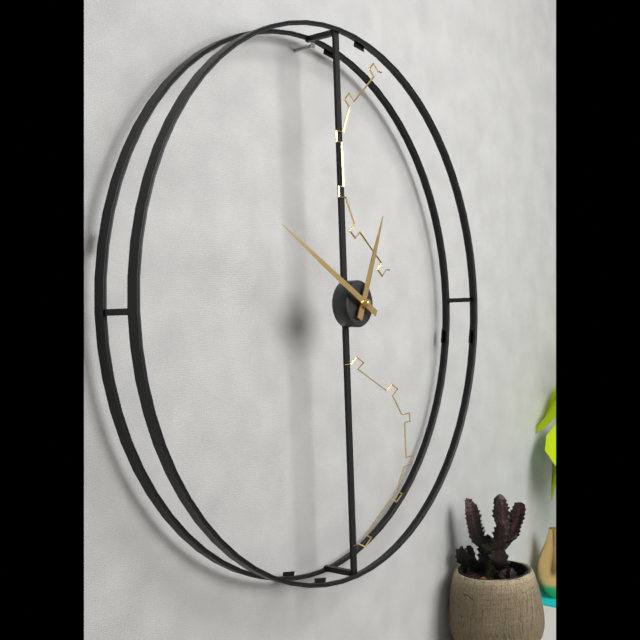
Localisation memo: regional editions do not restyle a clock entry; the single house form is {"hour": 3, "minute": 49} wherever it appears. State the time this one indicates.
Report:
{"hour": 12, "minute": 50}
